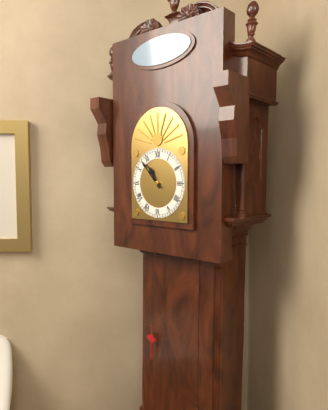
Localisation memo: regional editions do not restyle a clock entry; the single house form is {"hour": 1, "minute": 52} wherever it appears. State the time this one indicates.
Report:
{"hour": 10, "minute": 53}
